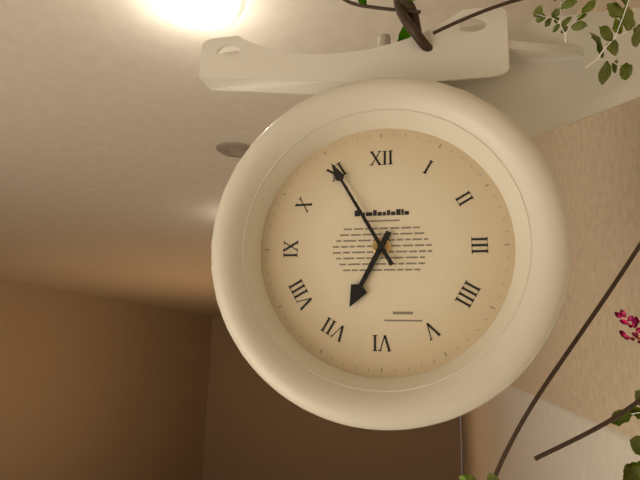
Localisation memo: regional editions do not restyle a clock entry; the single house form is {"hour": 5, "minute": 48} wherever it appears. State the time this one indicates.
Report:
{"hour": 6, "minute": 55}
